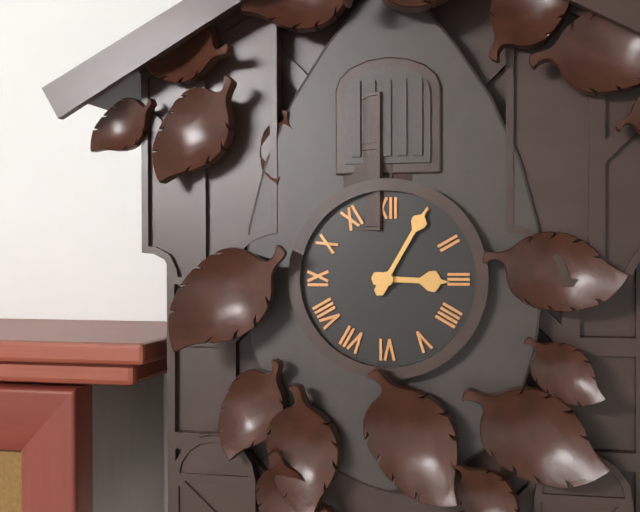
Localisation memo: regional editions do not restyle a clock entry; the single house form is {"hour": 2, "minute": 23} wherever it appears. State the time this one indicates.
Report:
{"hour": 3, "minute": 5}
